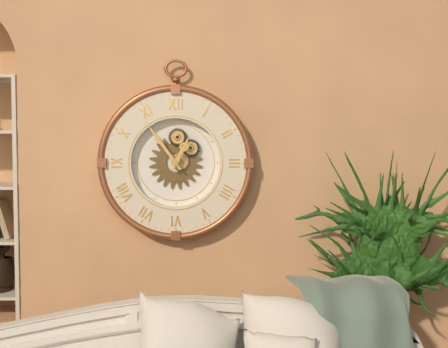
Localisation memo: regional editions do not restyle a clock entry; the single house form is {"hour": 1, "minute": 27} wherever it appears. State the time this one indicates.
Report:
{"hour": 12, "minute": 54}
